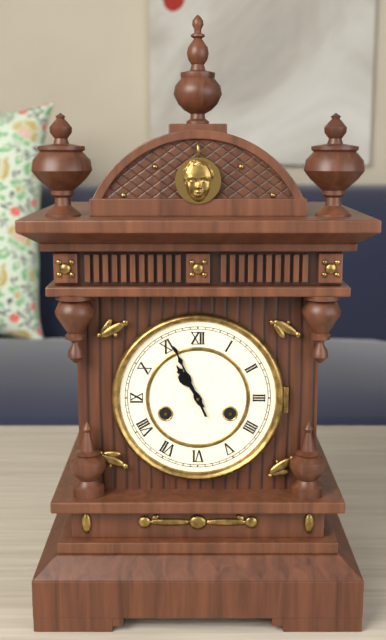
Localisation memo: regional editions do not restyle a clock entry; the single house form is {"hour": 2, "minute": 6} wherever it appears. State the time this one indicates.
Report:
{"hour": 10, "minute": 56}
